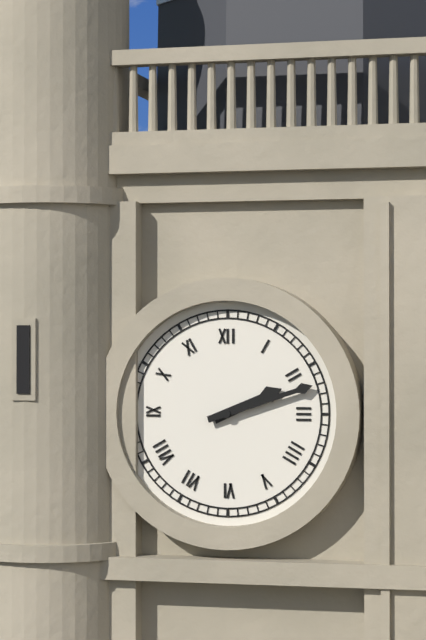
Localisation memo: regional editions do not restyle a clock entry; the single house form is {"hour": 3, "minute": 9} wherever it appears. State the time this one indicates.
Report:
{"hour": 2, "minute": 12}
